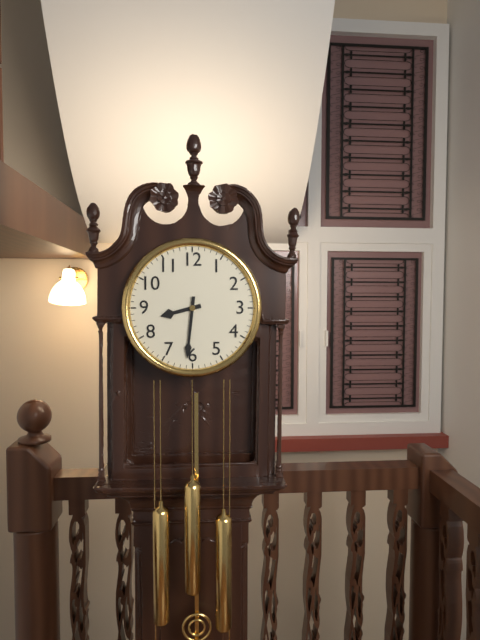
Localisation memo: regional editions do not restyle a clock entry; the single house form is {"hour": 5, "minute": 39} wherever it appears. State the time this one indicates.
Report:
{"hour": 8, "minute": 31}
